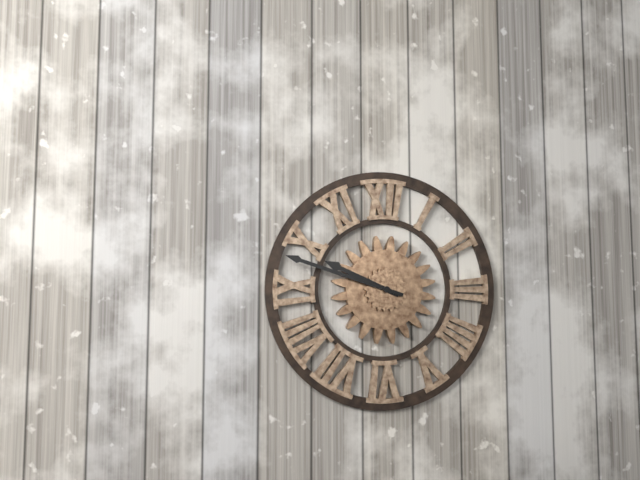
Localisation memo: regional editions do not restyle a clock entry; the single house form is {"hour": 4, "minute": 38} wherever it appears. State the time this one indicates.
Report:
{"hour": 9, "minute": 48}
